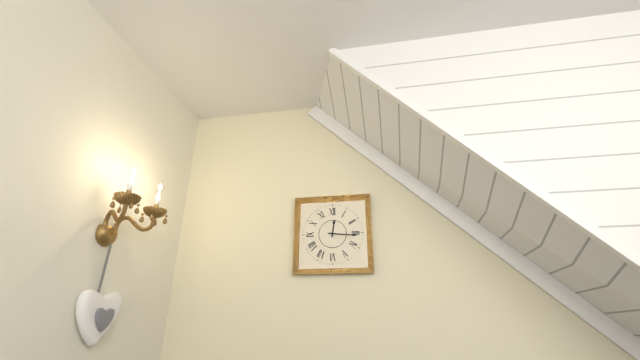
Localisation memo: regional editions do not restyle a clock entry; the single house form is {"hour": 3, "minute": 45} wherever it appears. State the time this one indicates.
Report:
{"hour": 12, "minute": 16}
